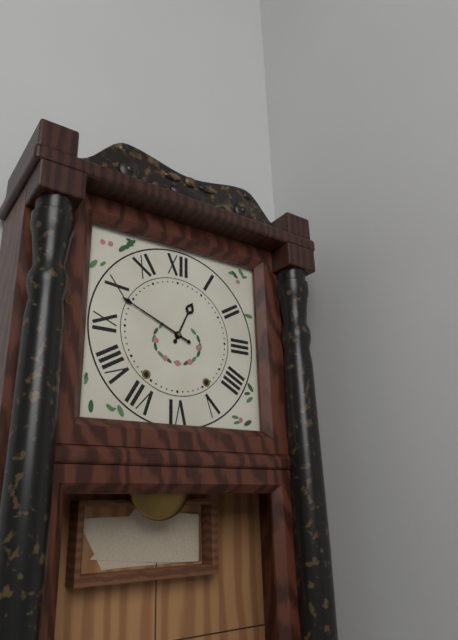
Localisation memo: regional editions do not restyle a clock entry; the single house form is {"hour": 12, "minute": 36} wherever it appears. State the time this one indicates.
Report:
{"hour": 12, "minute": 49}
